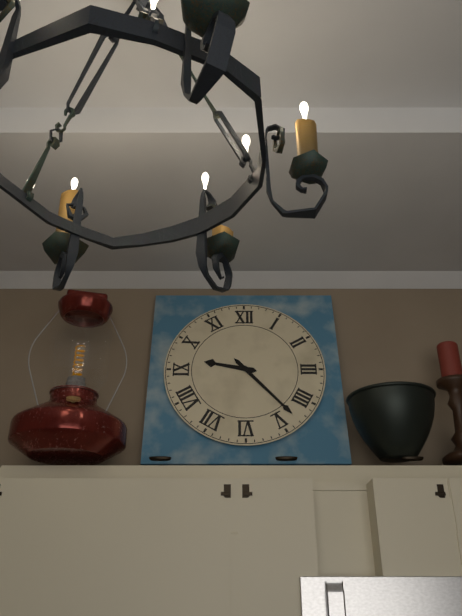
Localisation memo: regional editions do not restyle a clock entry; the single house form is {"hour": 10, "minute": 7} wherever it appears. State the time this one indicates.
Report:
{"hour": 9, "minute": 23}
